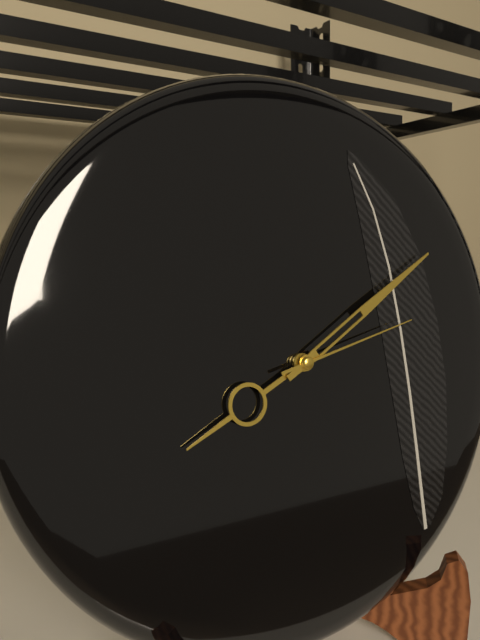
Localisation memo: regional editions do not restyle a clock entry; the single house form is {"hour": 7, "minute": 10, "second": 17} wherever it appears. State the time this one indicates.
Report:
{"hour": 8, "minute": 10, "second": 13}
